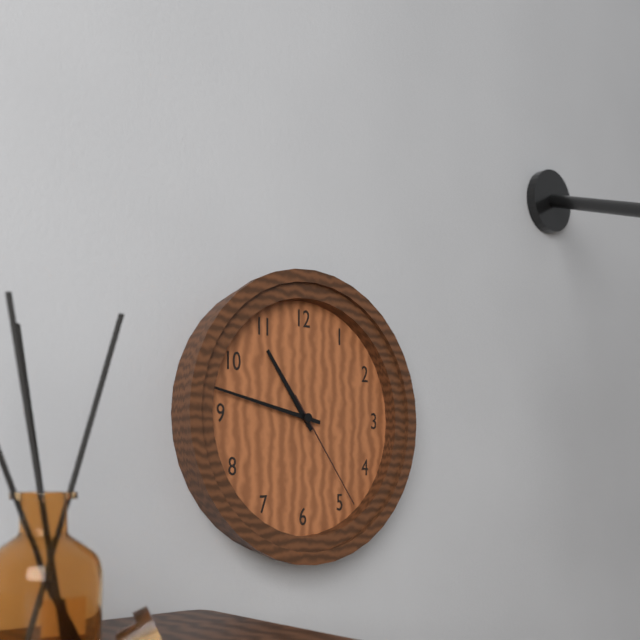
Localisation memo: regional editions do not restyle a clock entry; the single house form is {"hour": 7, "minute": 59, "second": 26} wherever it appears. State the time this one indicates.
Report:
{"hour": 10, "minute": 47, "second": 24}
